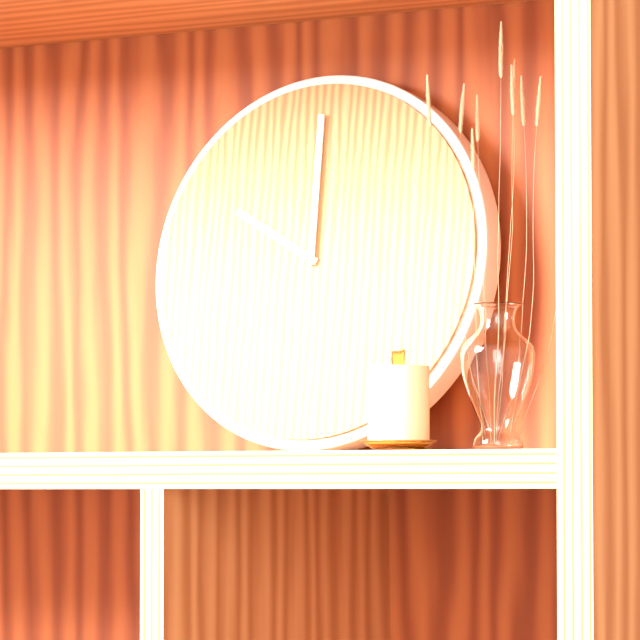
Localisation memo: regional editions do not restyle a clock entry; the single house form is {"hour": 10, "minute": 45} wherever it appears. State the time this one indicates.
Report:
{"hour": 10, "minute": 0}
